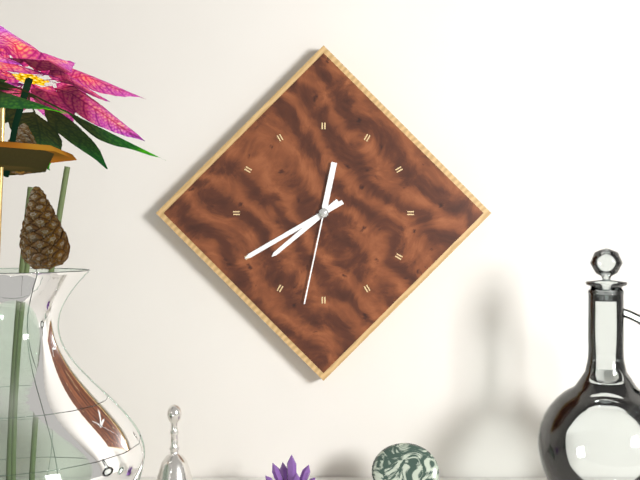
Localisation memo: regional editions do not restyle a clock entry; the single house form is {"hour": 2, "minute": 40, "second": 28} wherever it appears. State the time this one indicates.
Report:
{"hour": 7, "minute": 40, "second": 32}
